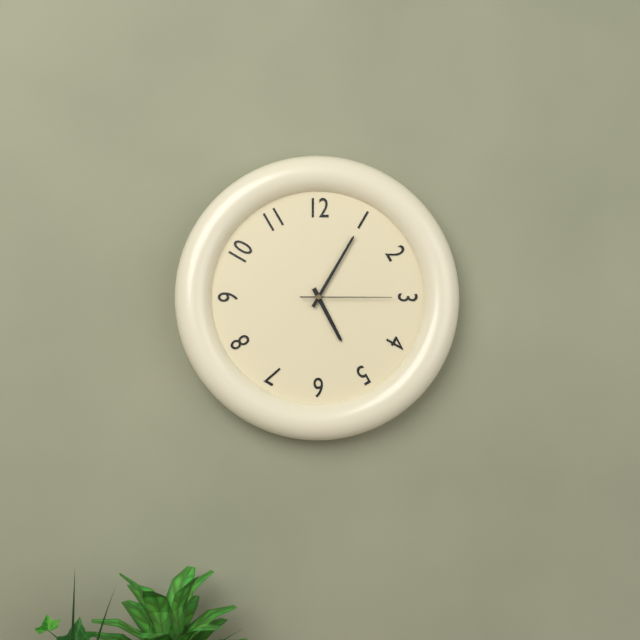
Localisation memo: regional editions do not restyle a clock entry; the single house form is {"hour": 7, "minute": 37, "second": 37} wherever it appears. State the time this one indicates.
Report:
{"hour": 5, "minute": 5, "second": 15}
